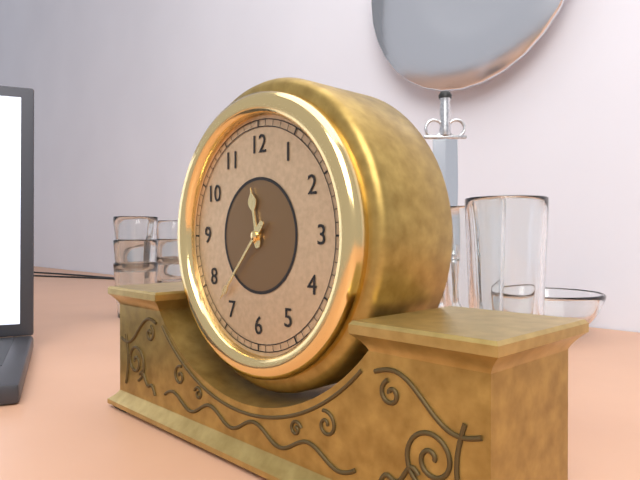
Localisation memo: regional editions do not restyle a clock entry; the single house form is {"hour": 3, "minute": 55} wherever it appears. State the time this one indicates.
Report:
{"hour": 11, "minute": 37}
